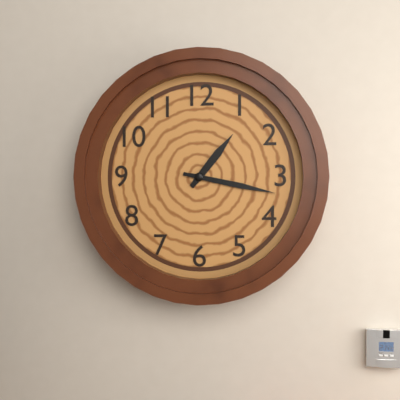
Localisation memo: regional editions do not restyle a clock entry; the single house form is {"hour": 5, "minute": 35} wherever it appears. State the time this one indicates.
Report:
{"hour": 1, "minute": 17}
